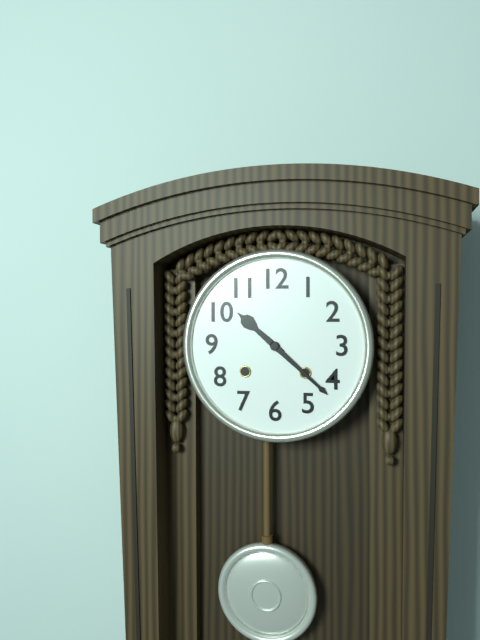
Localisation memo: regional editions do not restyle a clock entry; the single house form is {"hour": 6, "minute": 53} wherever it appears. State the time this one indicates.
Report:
{"hour": 10, "minute": 22}
